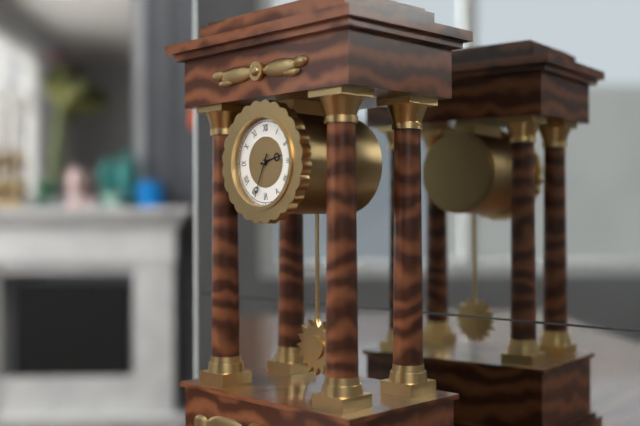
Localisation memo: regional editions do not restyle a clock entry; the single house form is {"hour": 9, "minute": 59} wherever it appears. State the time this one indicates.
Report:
{"hour": 2, "minute": 34}
